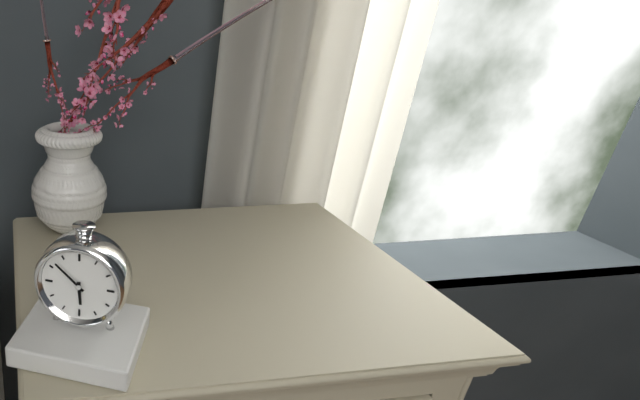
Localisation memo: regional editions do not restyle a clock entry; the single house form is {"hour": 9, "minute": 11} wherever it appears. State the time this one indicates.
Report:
{"hour": 5, "minute": 52}
